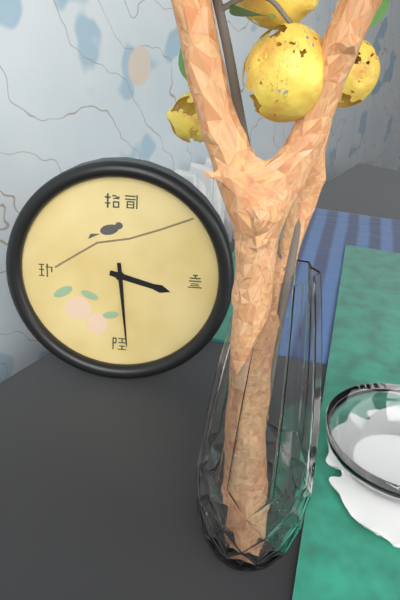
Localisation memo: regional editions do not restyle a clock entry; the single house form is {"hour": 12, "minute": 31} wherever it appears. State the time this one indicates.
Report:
{"hour": 3, "minute": 29}
